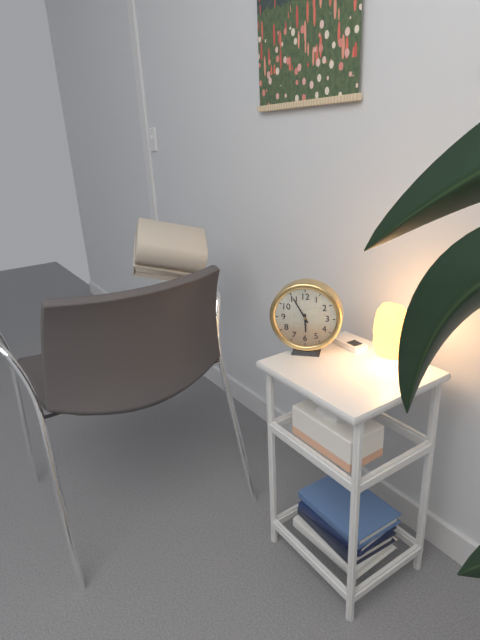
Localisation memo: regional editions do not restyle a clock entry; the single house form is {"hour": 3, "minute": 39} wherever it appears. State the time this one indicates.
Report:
{"hour": 5, "minute": 55}
